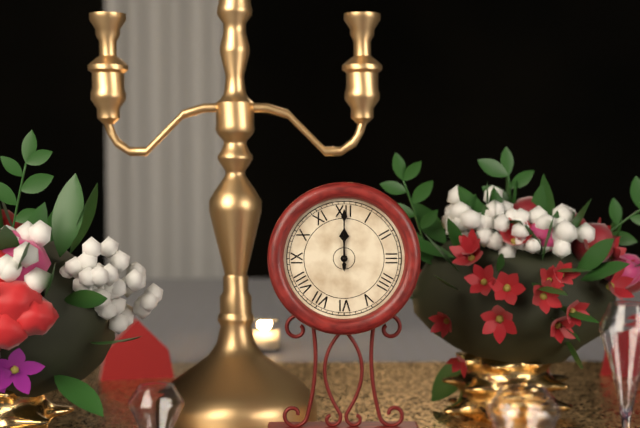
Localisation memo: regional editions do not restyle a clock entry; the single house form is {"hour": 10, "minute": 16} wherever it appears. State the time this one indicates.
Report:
{"hour": 12, "minute": 0}
